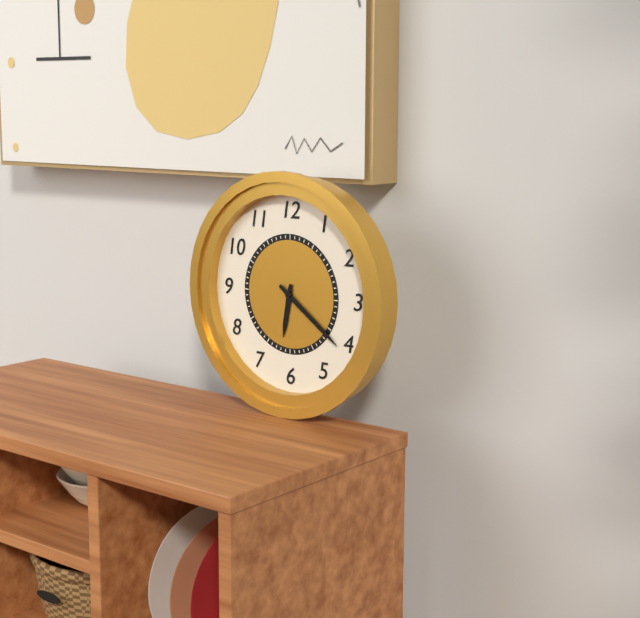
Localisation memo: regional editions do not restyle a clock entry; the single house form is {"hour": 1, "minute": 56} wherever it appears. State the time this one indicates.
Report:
{"hour": 6, "minute": 21}
